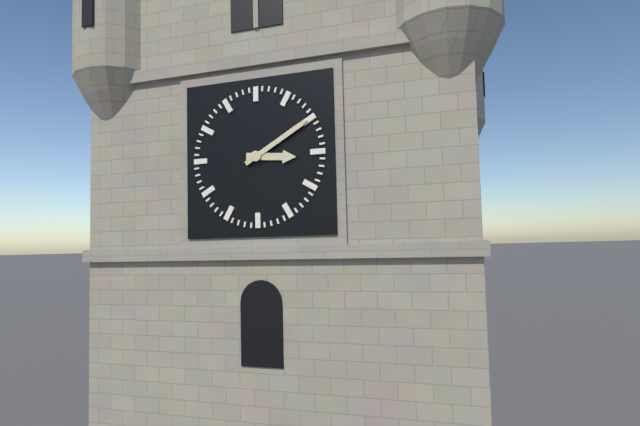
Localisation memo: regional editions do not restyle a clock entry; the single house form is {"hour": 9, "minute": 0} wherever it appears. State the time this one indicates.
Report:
{"hour": 3, "minute": 10}
